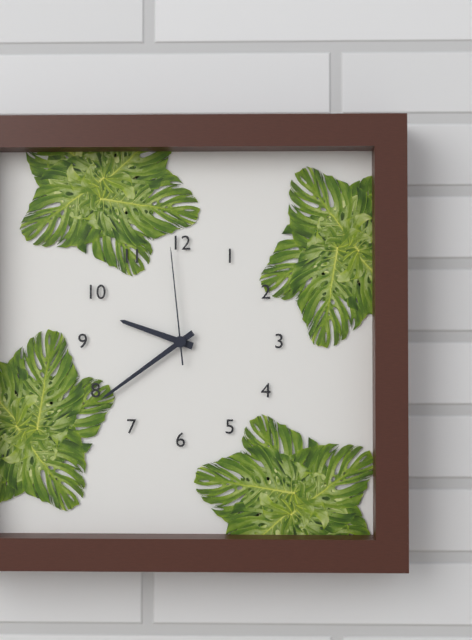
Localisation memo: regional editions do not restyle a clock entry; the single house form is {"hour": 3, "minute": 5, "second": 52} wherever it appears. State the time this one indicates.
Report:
{"hour": 9, "minute": 39, "second": 59}
